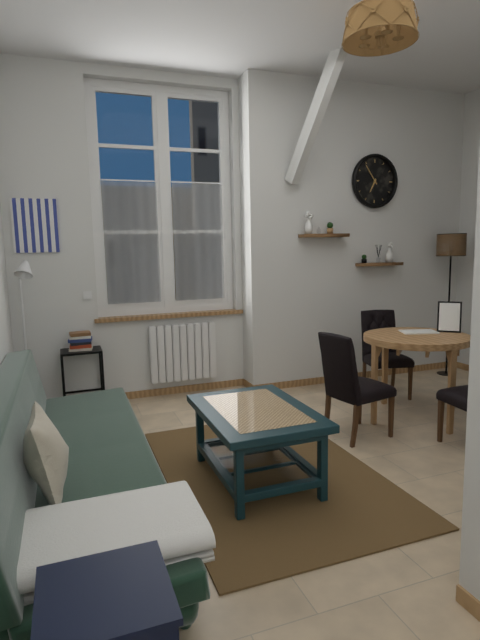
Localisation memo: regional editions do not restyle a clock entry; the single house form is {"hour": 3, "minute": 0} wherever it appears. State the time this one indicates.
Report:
{"hour": 6, "minute": 54}
